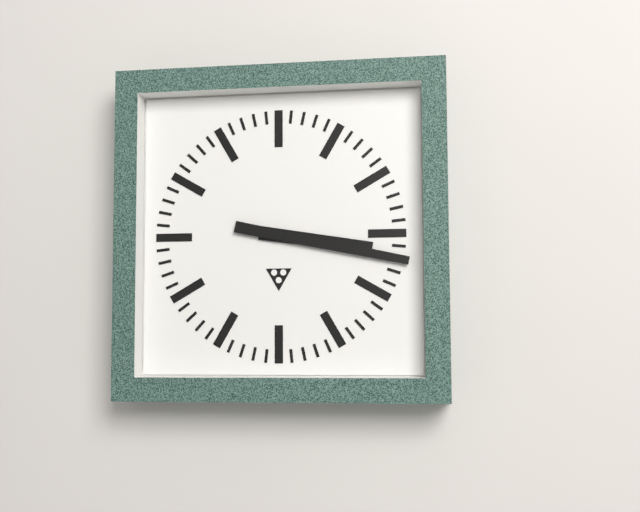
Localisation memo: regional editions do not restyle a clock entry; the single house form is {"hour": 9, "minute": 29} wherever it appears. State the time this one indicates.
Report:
{"hour": 3, "minute": 17}
